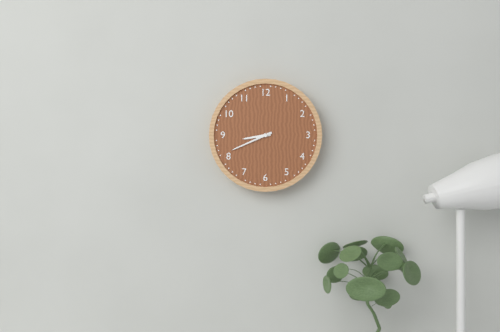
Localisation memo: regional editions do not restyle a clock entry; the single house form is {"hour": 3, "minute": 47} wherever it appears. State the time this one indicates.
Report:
{"hour": 8, "minute": 41}
